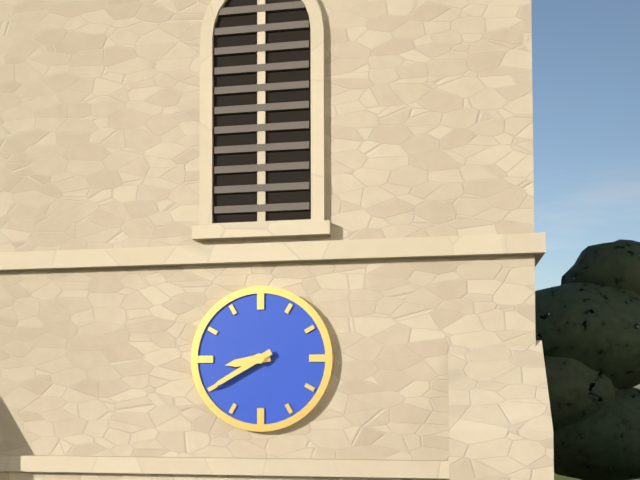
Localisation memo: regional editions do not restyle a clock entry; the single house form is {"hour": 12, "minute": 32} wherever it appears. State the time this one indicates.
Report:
{"hour": 8, "minute": 40}
